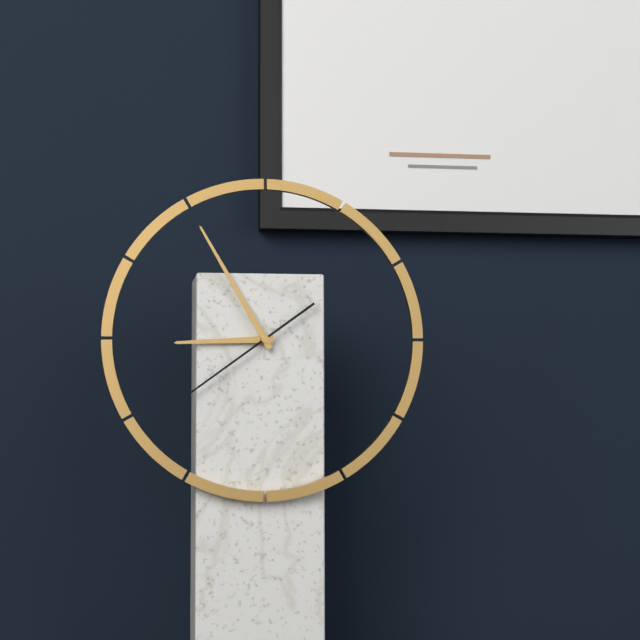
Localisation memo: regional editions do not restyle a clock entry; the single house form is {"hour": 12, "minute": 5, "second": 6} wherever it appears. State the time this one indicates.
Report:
{"hour": 8, "minute": 55, "second": 39}
